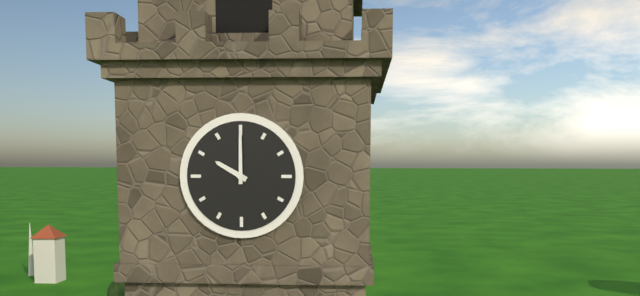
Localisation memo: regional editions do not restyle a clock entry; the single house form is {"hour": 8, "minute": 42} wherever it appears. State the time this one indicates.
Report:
{"hour": 10, "minute": 0}
